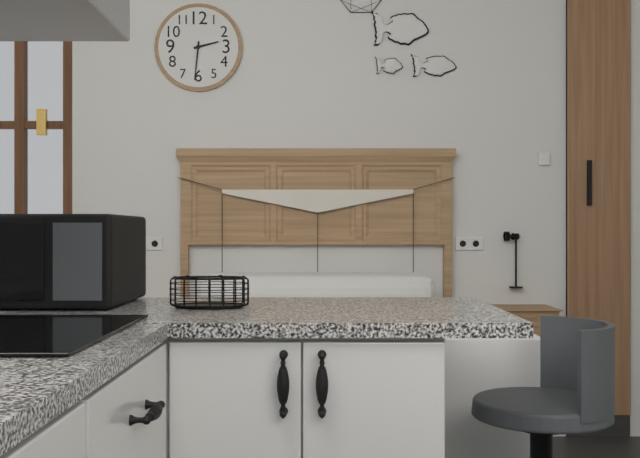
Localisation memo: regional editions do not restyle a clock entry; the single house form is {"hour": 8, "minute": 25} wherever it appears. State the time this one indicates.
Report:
{"hour": 2, "minute": 31}
